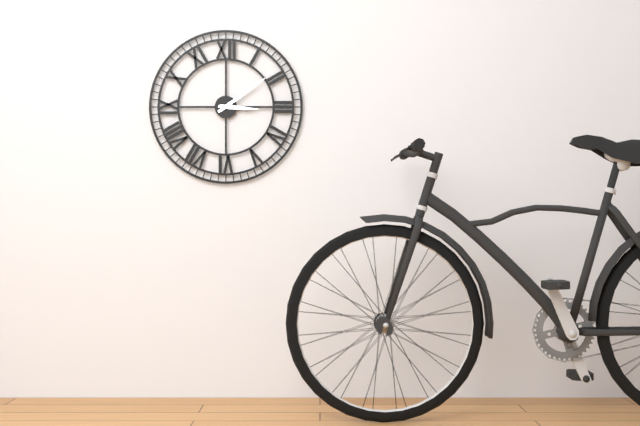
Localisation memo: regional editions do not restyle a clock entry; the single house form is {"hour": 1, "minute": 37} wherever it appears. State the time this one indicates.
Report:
{"hour": 3, "minute": 9}
